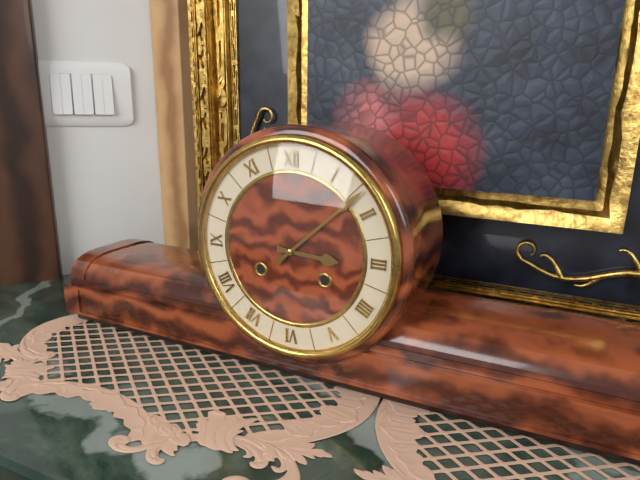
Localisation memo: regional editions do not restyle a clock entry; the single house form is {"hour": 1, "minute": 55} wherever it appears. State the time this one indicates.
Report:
{"hour": 3, "minute": 8}
